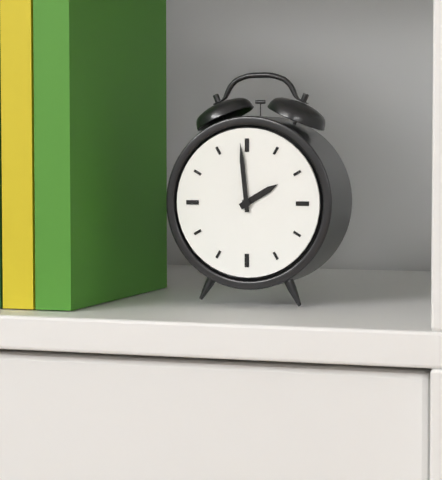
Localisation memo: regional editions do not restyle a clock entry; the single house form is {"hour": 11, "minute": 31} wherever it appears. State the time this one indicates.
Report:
{"hour": 1, "minute": 59}
